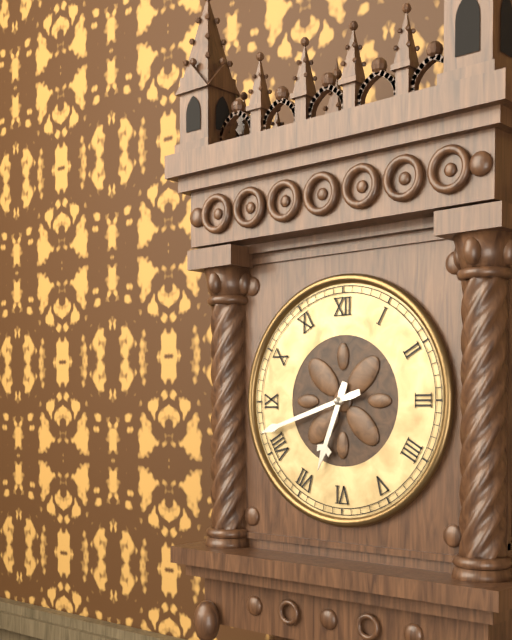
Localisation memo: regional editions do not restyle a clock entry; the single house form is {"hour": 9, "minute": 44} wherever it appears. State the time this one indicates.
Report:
{"hour": 6, "minute": 42}
